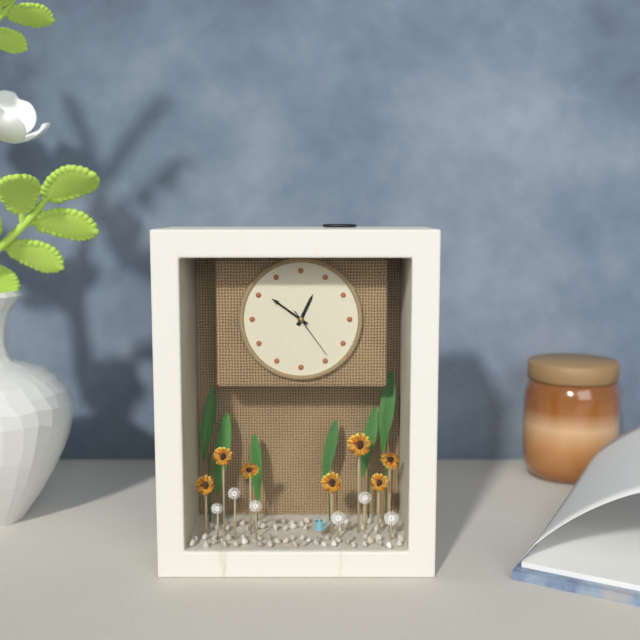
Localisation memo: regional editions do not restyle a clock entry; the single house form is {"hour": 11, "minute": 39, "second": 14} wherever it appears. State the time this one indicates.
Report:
{"hour": 12, "minute": 51, "second": 24}
